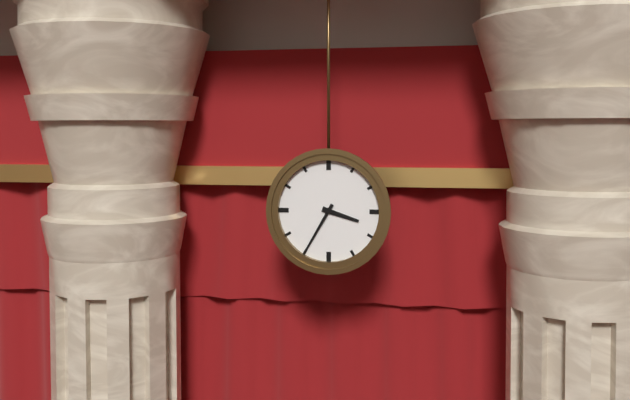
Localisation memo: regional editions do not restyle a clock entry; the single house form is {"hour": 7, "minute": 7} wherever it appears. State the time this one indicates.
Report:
{"hour": 3, "minute": 35}
